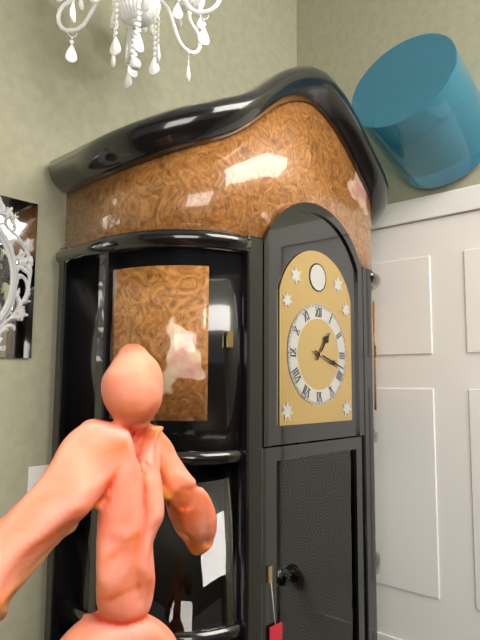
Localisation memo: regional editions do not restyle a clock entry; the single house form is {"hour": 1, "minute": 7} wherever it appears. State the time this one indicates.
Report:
{"hour": 1, "minute": 18}
